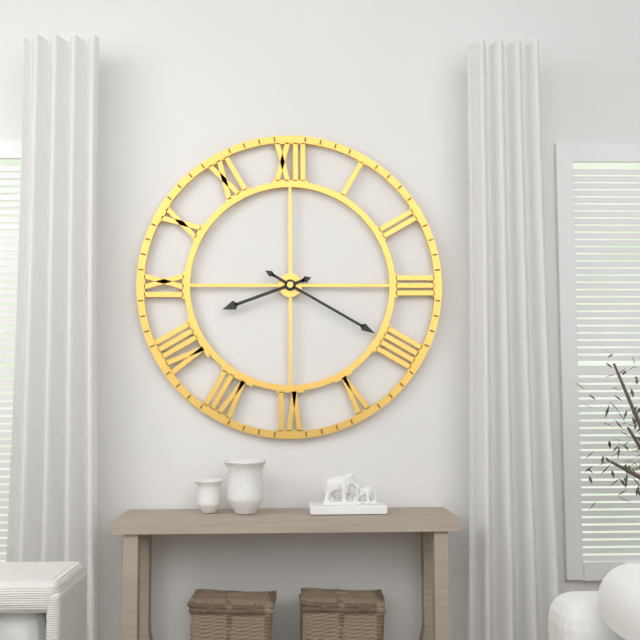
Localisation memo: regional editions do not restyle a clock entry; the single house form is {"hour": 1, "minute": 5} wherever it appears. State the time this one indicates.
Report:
{"hour": 8, "minute": 20}
